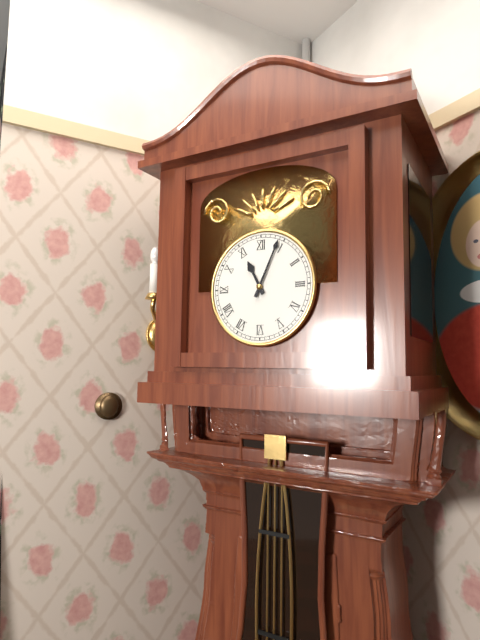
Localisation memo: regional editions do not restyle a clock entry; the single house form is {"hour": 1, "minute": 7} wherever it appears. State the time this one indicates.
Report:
{"hour": 11, "minute": 4}
